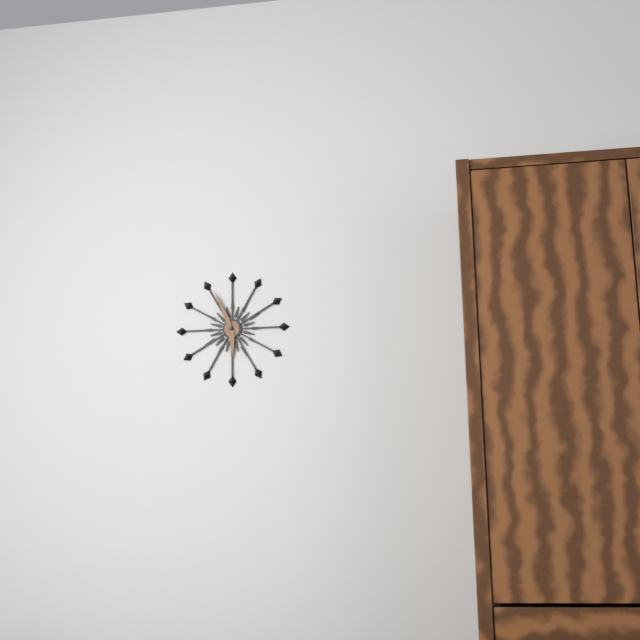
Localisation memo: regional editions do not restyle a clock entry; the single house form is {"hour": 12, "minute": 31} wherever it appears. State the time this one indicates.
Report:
{"hour": 5, "minute": 56}
